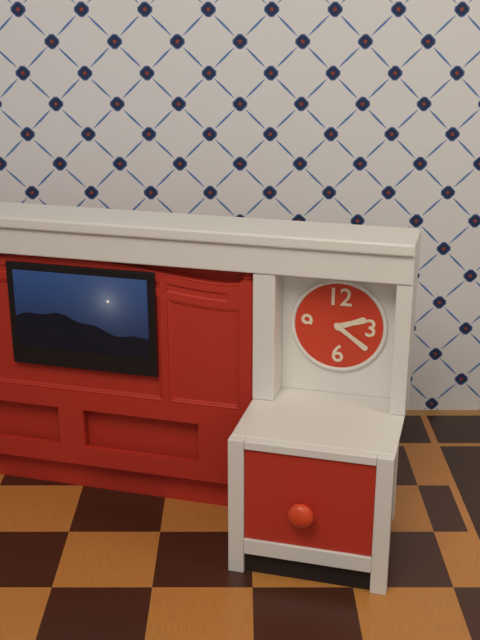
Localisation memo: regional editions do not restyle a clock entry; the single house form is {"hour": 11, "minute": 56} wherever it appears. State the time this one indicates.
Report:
{"hour": 2, "minute": 21}
